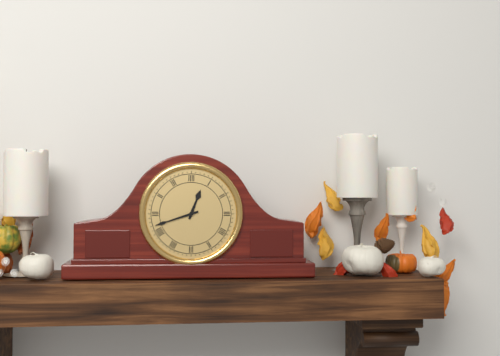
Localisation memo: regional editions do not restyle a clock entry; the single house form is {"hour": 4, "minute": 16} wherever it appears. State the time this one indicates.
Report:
{"hour": 12, "minute": 42}
